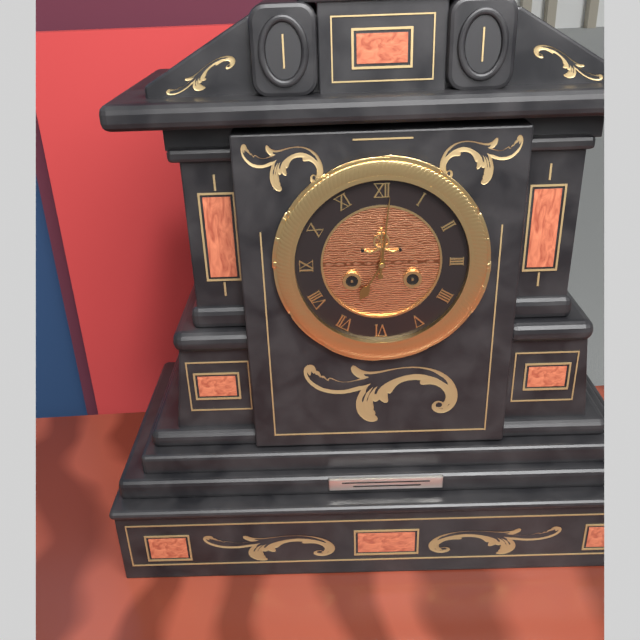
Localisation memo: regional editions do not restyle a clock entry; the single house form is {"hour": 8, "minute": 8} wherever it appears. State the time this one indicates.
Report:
{"hour": 7, "minute": 1}
